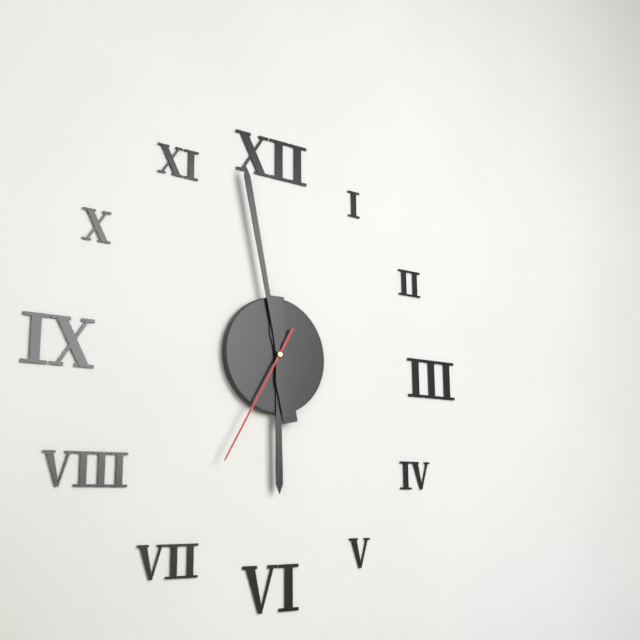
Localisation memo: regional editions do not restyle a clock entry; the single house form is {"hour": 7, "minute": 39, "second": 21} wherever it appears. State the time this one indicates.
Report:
{"hour": 5, "minute": 58, "second": 35}
